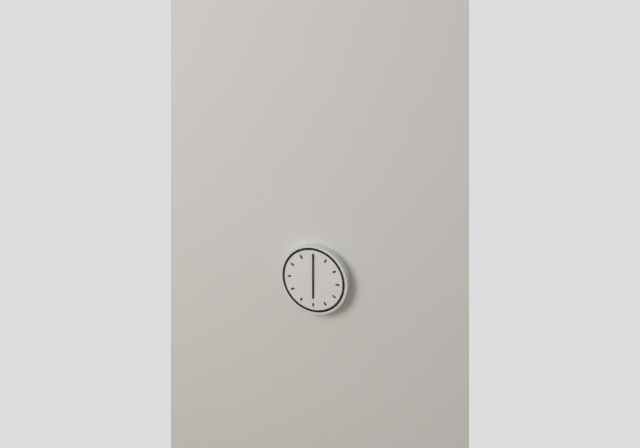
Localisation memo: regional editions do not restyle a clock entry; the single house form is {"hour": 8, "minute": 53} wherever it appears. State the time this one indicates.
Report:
{"hour": 6, "minute": 0}
